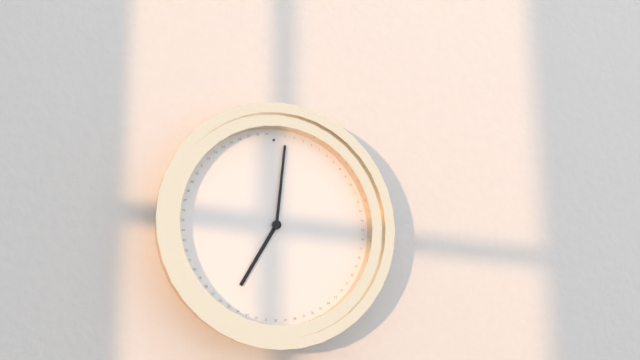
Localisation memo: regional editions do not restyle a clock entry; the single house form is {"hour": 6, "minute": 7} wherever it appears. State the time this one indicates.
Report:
{"hour": 7, "minute": 1}
